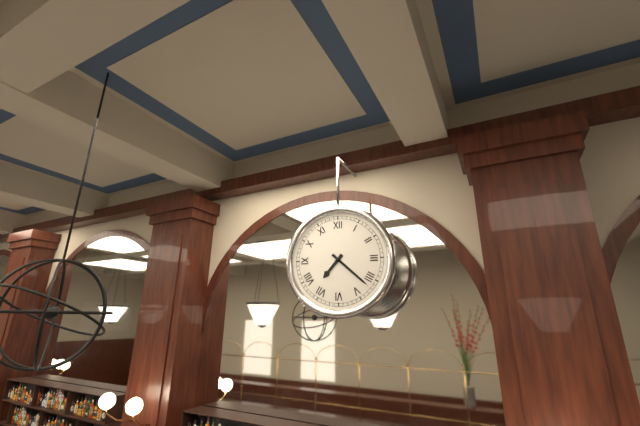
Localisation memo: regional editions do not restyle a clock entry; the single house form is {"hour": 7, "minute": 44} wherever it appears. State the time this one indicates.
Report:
{"hour": 7, "minute": 22}
